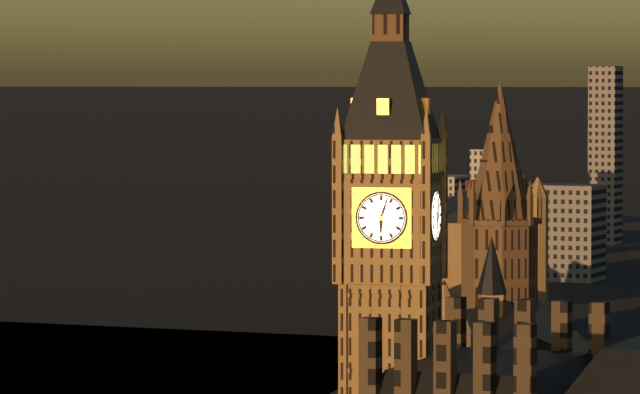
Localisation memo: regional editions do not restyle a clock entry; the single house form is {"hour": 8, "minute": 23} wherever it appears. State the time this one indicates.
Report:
{"hour": 6, "minute": 3}
